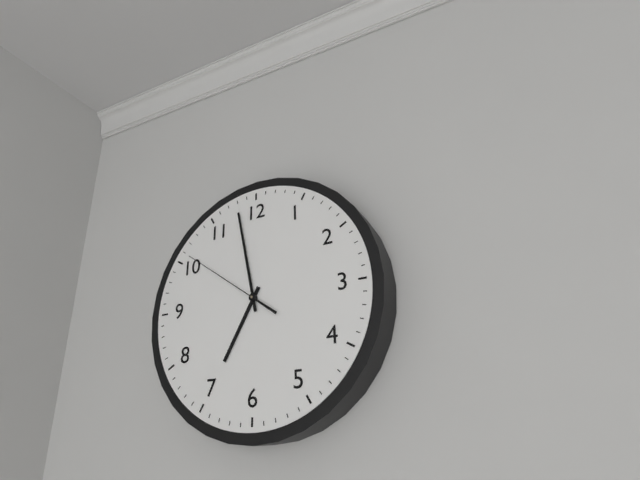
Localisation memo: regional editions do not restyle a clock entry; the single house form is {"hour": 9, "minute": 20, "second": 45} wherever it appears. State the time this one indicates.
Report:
{"hour": 6, "minute": 58, "second": 51}
